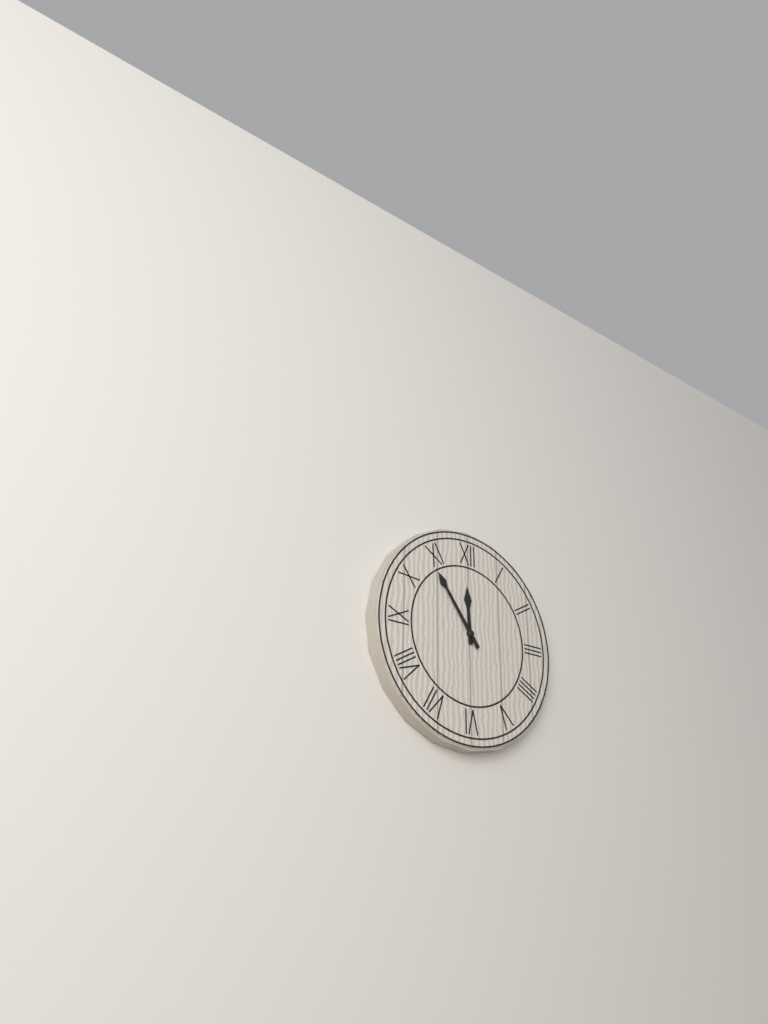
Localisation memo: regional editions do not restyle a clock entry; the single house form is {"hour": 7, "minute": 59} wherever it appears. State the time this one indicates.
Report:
{"hour": 11, "minute": 54}
